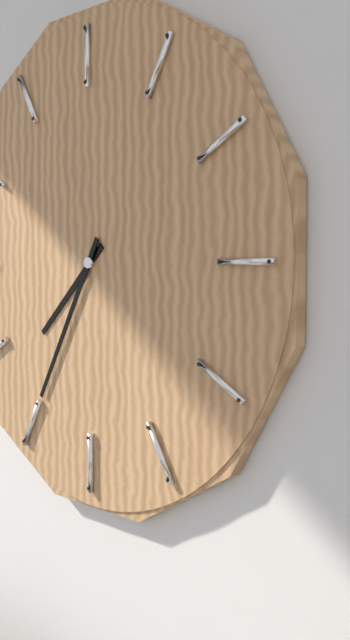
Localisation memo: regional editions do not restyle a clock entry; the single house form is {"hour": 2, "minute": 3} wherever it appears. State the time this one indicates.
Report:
{"hour": 7, "minute": 35}
